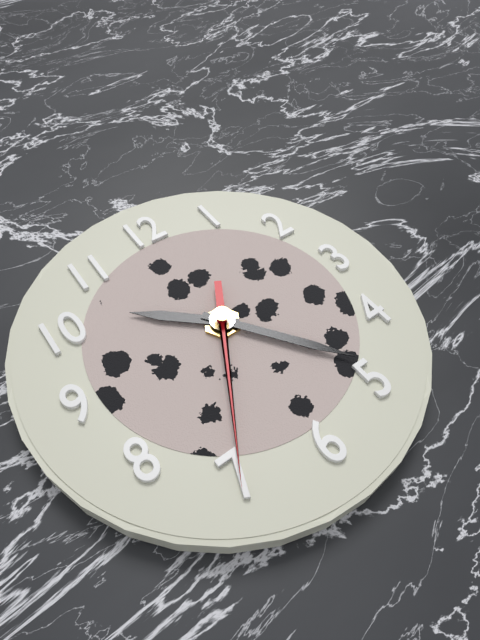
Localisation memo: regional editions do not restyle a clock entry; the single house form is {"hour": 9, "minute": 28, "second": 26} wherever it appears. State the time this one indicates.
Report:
{"hour": 10, "minute": 24, "second": 35}
